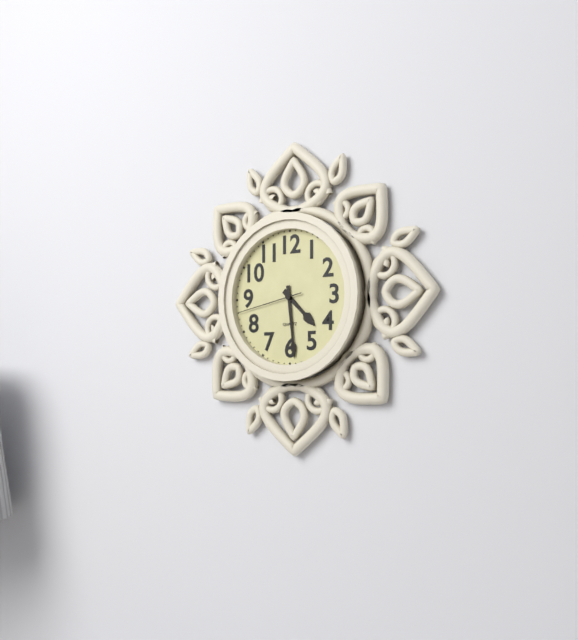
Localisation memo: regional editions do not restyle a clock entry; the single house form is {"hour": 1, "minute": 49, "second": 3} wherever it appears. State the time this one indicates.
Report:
{"hour": 4, "minute": 29, "second": 43}
